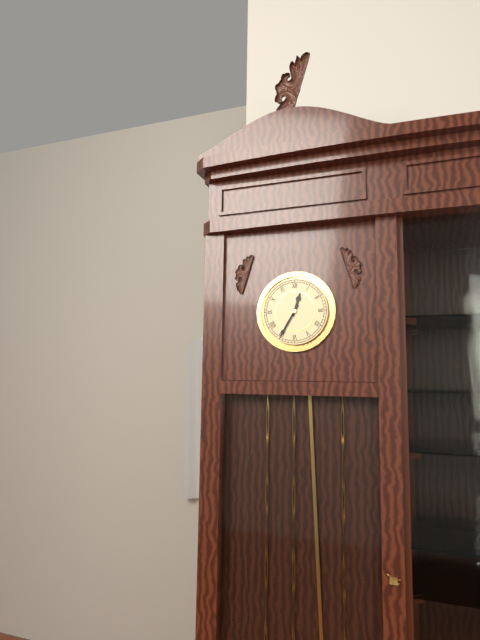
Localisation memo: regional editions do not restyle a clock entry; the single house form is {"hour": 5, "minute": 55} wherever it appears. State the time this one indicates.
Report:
{"hour": 12, "minute": 35}
